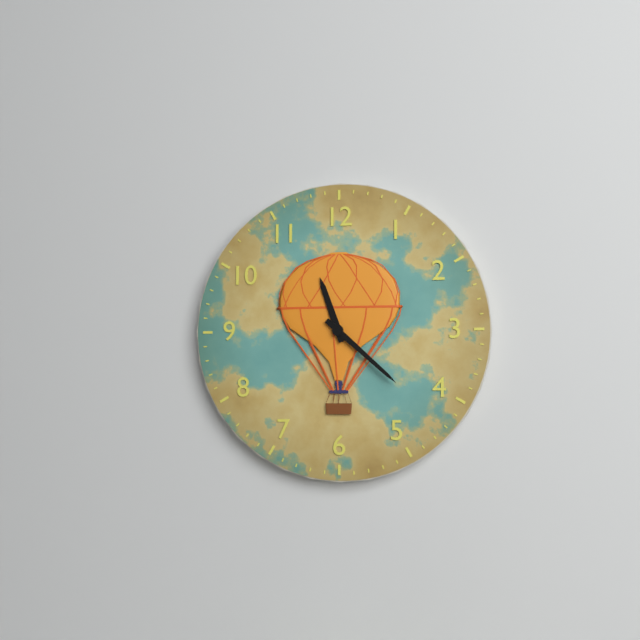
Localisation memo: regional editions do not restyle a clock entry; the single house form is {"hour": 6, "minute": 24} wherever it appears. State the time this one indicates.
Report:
{"hour": 11, "minute": 22}
